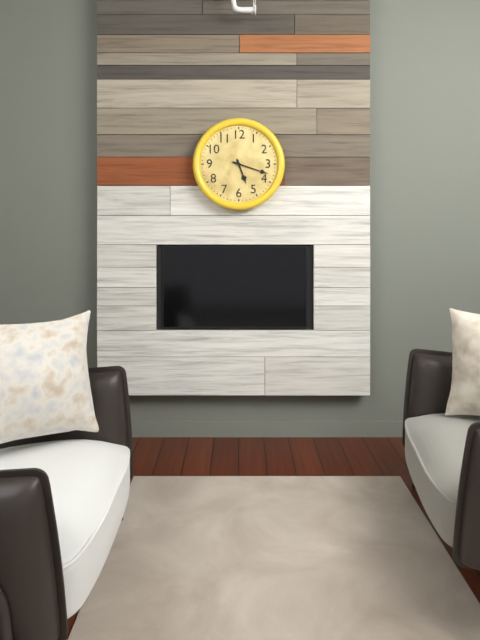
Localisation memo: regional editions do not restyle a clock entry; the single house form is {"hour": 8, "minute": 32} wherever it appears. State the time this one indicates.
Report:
{"hour": 5, "minute": 18}
